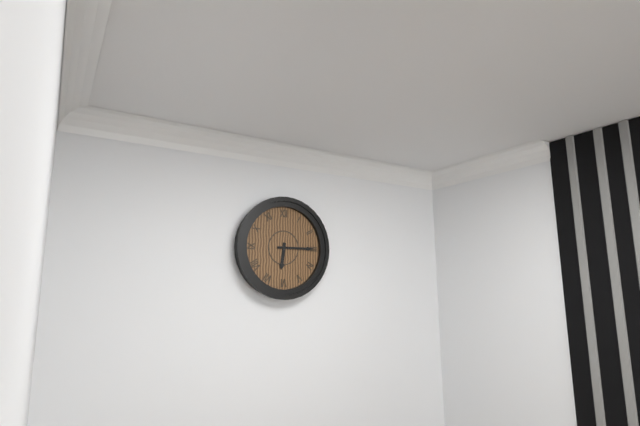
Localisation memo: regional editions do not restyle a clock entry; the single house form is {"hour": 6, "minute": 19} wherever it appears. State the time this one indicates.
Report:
{"hour": 6, "minute": 15}
